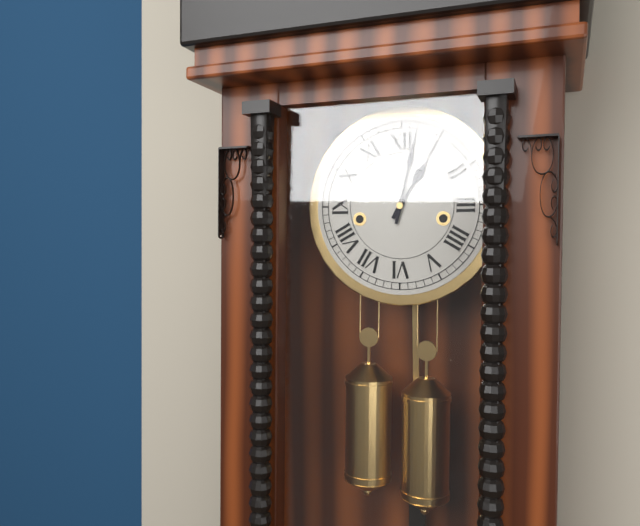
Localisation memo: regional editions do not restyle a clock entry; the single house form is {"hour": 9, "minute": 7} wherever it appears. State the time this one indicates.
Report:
{"hour": 1, "minute": 2}
